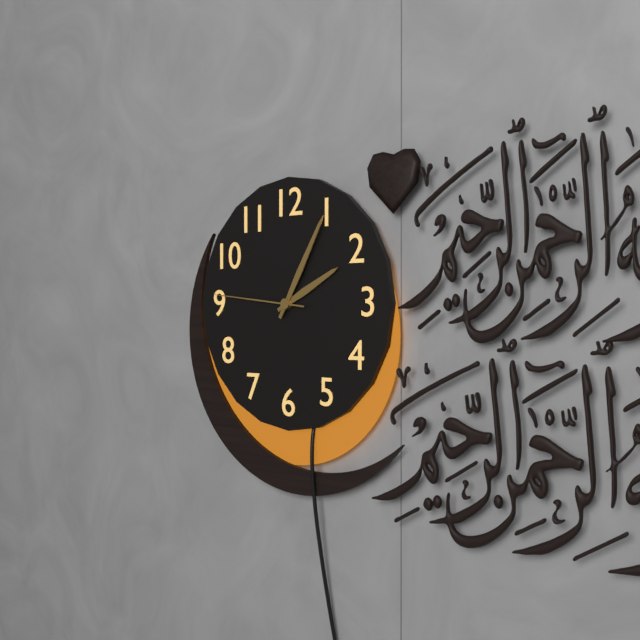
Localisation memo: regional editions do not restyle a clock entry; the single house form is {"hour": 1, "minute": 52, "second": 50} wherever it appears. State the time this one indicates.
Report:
{"hour": 2, "minute": 5, "second": 46}
